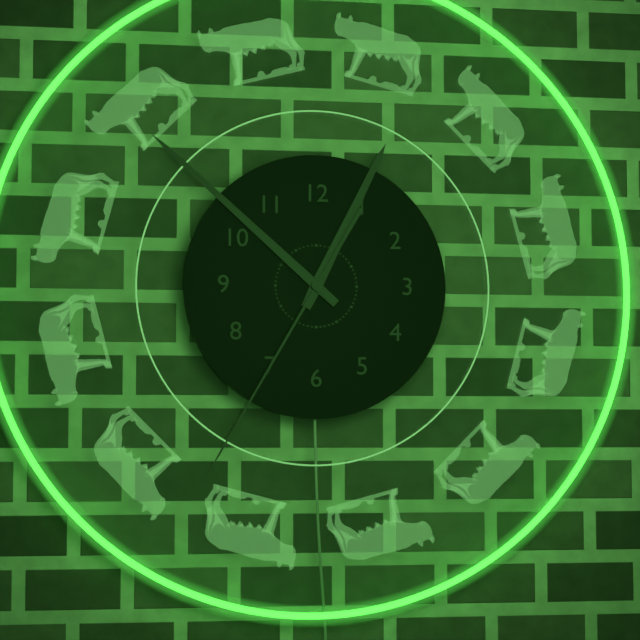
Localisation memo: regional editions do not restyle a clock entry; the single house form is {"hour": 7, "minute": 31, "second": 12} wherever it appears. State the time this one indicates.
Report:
{"hour": 12, "minute": 52, "second": 35}
